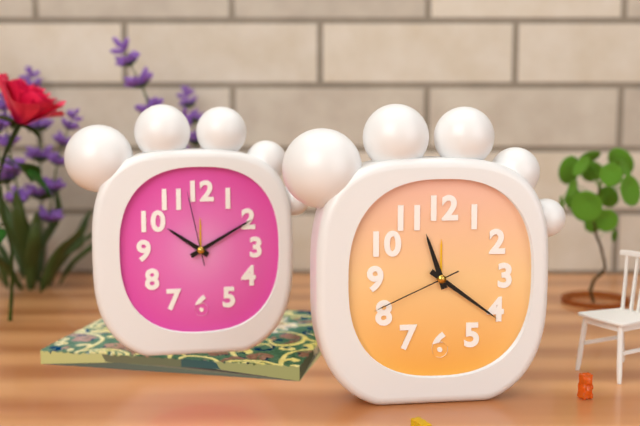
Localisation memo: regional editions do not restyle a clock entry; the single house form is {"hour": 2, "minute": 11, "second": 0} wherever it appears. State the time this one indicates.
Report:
{"hour": 11, "minute": 21, "second": 41}
